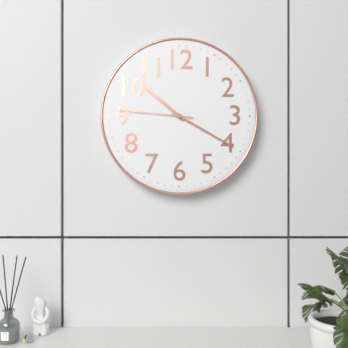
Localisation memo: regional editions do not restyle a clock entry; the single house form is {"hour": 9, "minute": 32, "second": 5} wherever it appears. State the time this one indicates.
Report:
{"hour": 10, "minute": 20, "second": 46}
